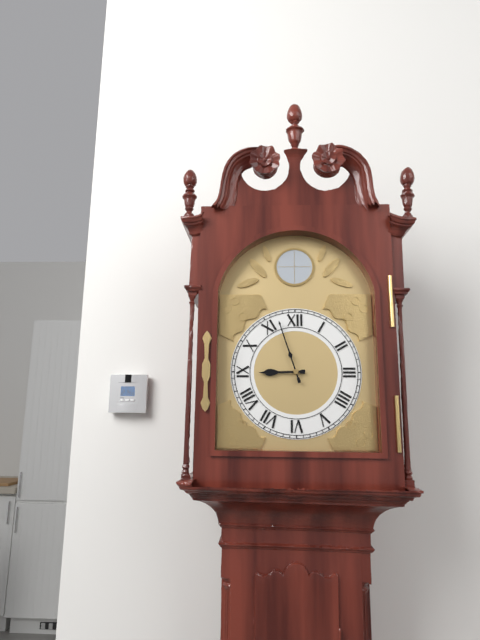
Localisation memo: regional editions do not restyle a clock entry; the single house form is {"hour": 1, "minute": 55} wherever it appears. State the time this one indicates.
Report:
{"hour": 8, "minute": 57}
